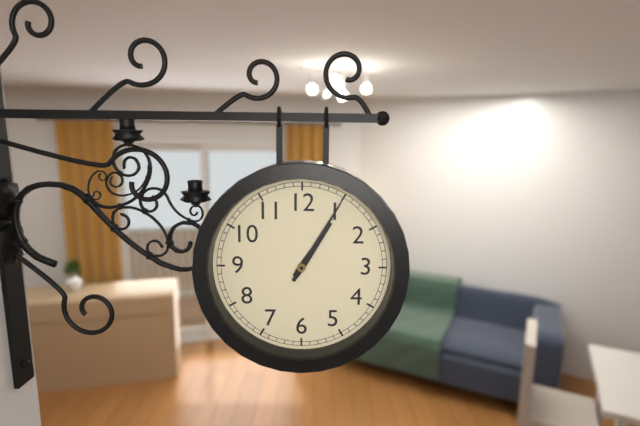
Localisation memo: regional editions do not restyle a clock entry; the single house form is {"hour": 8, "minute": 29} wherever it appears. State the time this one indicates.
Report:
{"hour": 1, "minute": 5}
